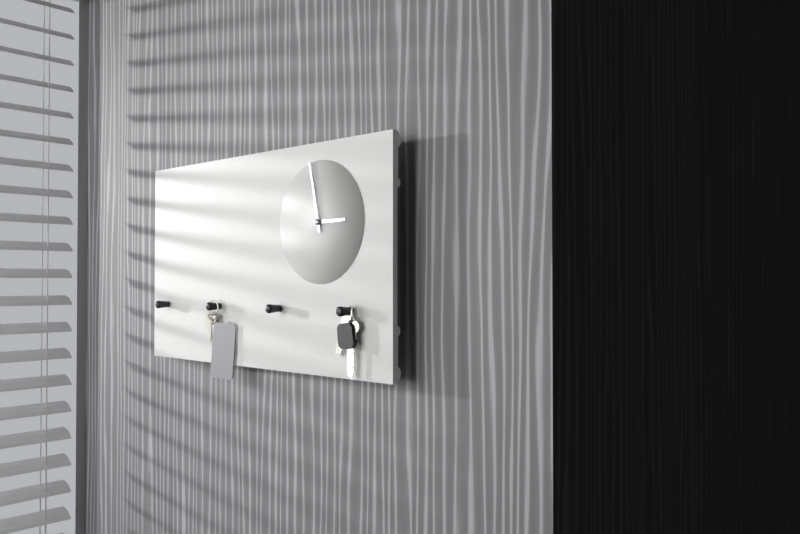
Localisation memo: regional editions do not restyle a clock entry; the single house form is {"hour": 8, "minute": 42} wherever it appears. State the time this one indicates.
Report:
{"hour": 2, "minute": 58}
